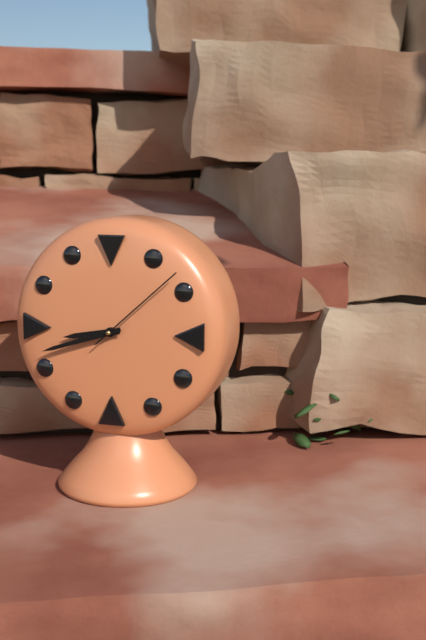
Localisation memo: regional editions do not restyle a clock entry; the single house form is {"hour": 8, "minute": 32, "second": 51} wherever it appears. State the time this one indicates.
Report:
{"hour": 8, "minute": 42, "second": 8}
